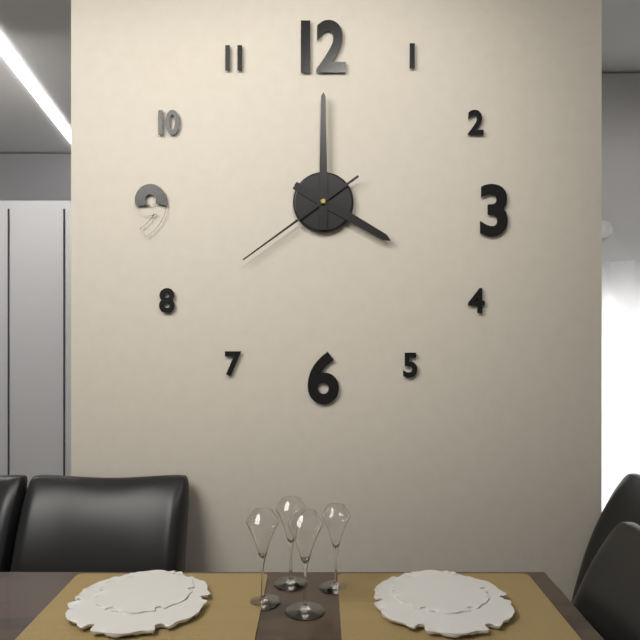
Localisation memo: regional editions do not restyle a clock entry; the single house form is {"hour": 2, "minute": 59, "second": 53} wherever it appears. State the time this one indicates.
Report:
{"hour": 4, "minute": 0, "second": 39}
